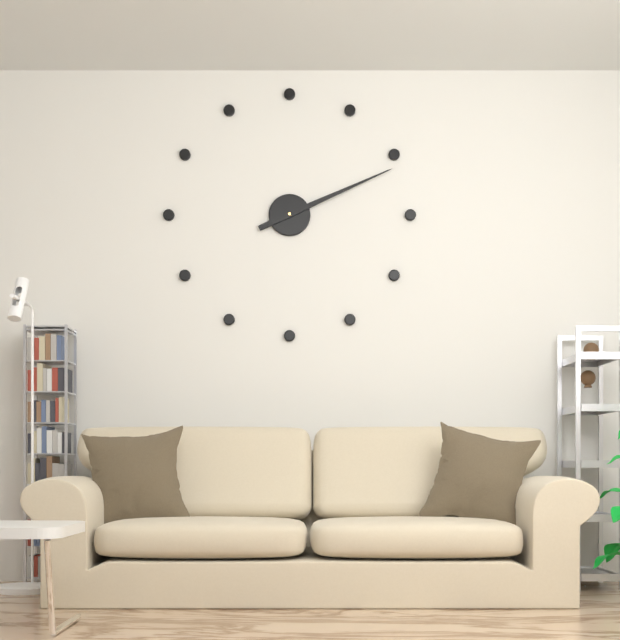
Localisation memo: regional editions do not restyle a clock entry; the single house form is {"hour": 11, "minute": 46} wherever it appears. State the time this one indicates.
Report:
{"hour": 2, "minute": 11}
